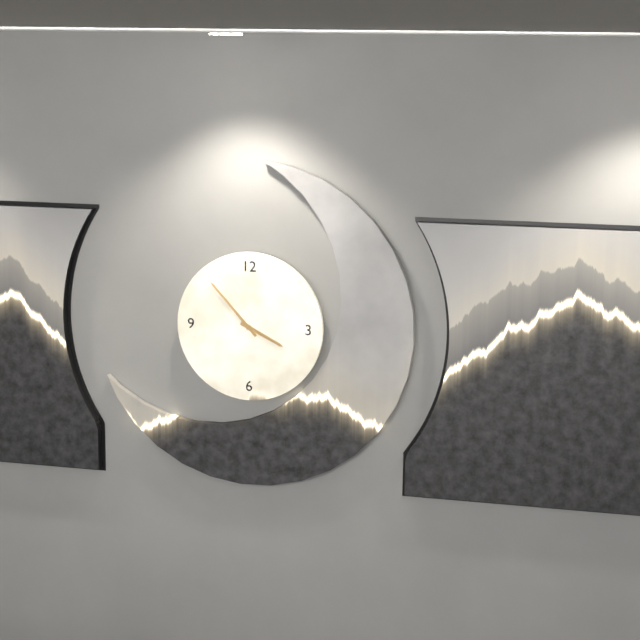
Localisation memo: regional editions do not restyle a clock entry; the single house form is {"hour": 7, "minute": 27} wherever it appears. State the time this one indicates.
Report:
{"hour": 3, "minute": 53}
